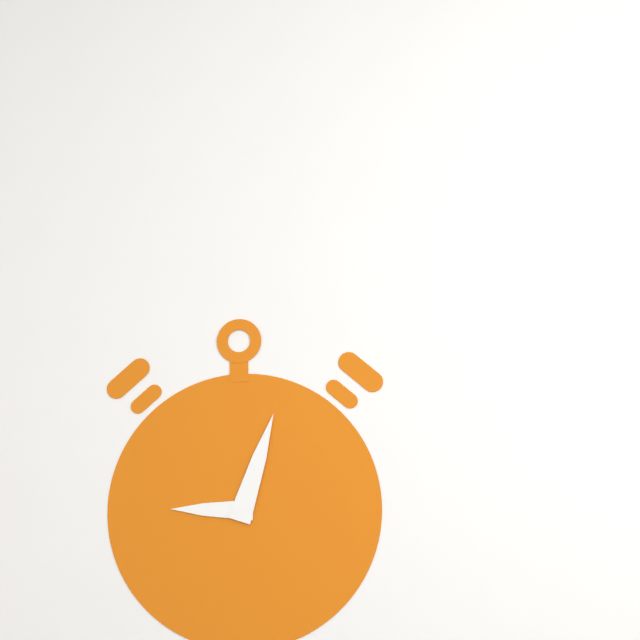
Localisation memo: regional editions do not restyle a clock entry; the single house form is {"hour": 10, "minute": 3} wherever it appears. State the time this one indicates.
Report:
{"hour": 9, "minute": 3}
